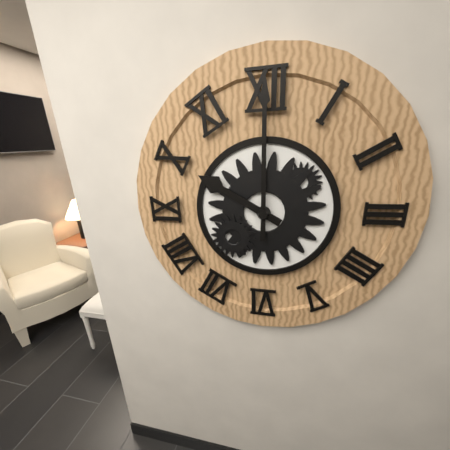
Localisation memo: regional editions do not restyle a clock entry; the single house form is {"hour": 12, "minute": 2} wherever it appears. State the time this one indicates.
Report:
{"hour": 10, "minute": 0}
